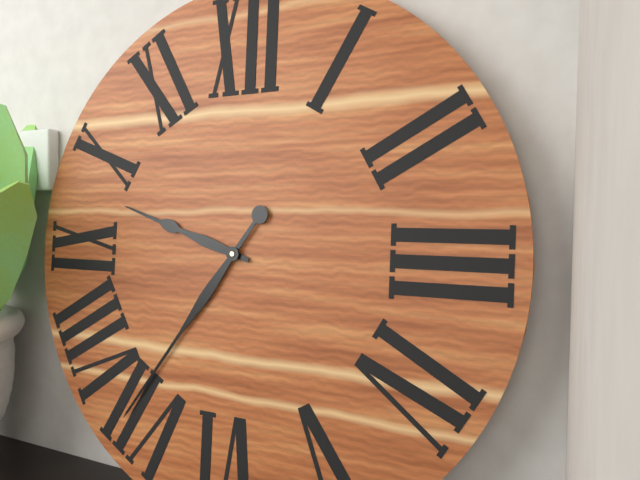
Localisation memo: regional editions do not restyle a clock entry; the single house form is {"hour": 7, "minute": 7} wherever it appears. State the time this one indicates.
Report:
{"hour": 9, "minute": 36}
